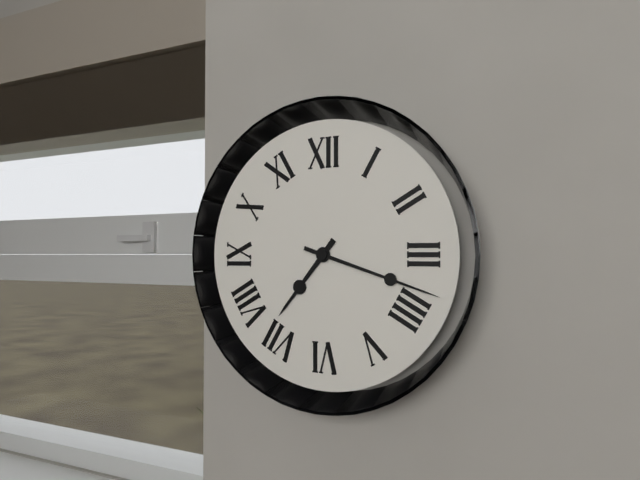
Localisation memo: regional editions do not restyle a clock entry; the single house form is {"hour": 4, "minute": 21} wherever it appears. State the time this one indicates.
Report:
{"hour": 7, "minute": 18}
